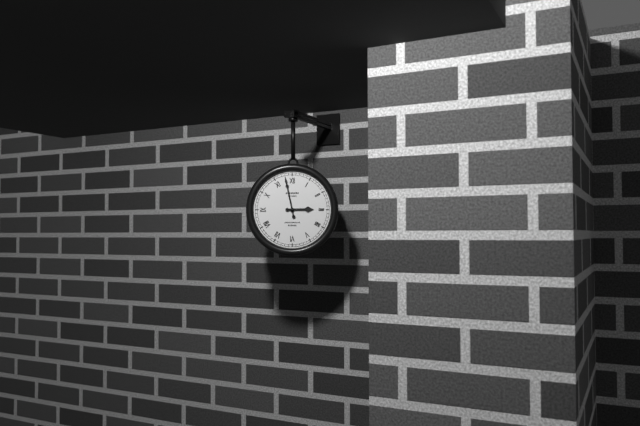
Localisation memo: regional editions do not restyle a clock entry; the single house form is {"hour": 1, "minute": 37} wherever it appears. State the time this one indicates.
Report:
{"hour": 2, "minute": 58}
